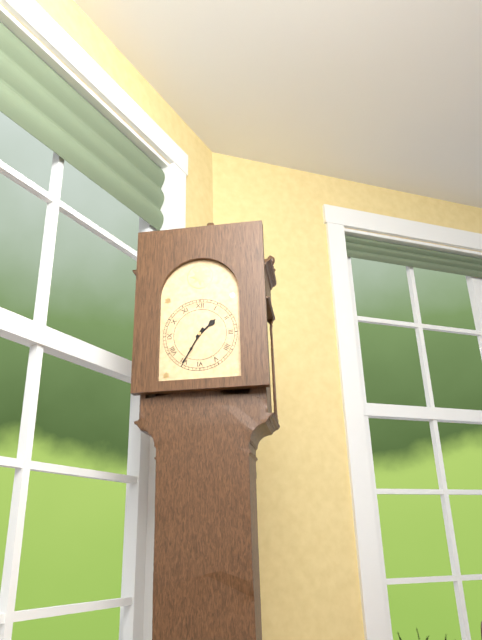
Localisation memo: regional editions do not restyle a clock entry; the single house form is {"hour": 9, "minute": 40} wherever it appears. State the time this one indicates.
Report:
{"hour": 1, "minute": 35}
